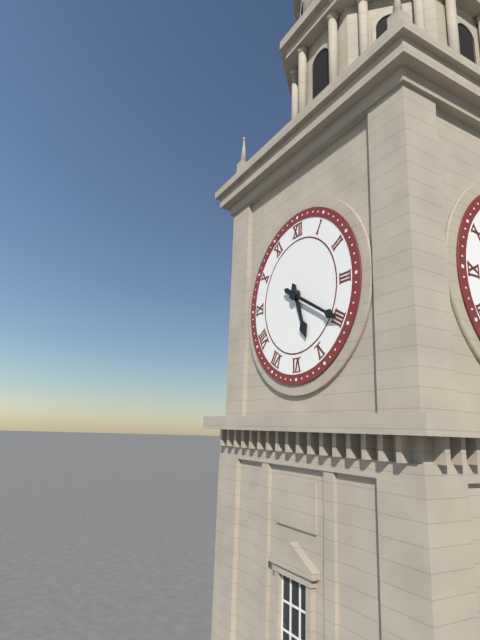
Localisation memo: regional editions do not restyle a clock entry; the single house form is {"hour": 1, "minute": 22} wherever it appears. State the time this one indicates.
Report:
{"hour": 5, "minute": 20}
